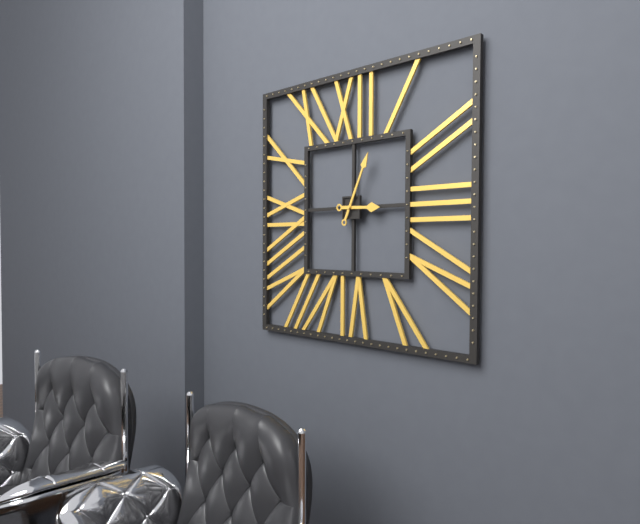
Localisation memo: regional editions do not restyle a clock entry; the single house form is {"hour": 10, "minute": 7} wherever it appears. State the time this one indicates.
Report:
{"hour": 3, "minute": 4}
